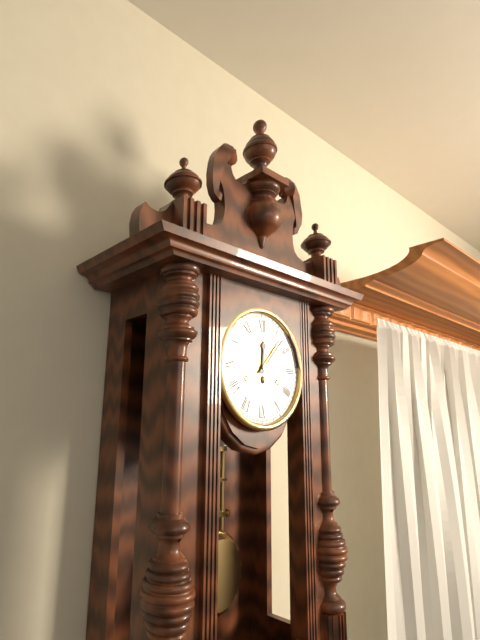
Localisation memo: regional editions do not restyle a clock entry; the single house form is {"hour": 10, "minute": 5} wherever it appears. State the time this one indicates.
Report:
{"hour": 12, "minute": 7}
